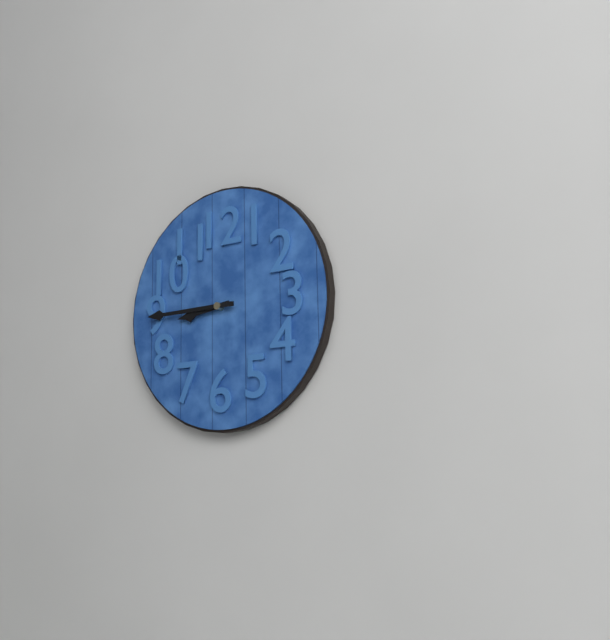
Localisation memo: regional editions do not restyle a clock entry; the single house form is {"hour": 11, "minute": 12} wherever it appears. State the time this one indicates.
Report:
{"hour": 8, "minute": 45}
